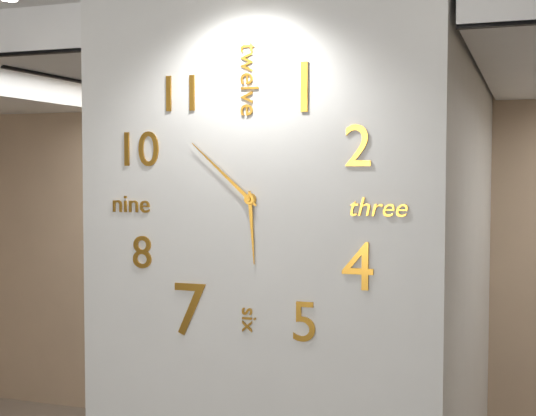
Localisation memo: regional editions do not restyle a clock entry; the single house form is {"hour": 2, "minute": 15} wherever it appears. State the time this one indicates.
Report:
{"hour": 5, "minute": 52}
